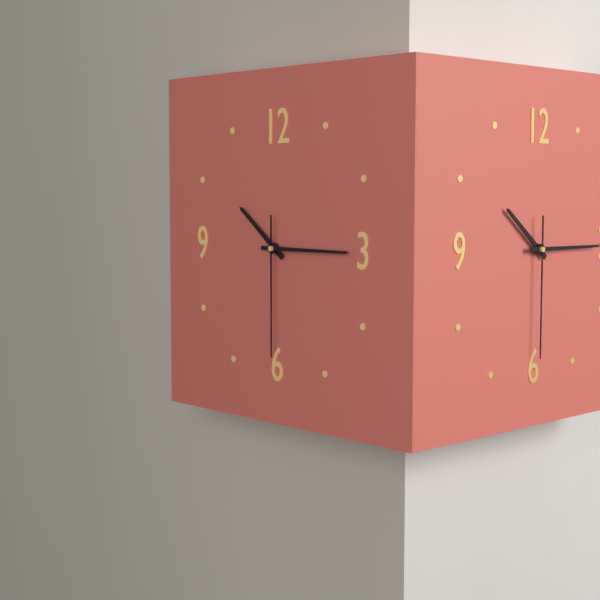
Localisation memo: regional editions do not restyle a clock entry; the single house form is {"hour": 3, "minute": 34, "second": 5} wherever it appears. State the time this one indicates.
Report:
{"hour": 10, "minute": 15, "second": 30}
